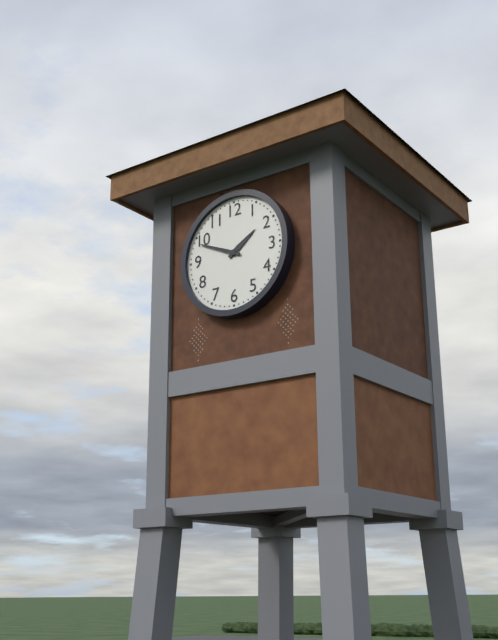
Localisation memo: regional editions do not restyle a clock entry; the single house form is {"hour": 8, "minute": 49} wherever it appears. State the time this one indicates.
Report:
{"hour": 1, "minute": 49}
